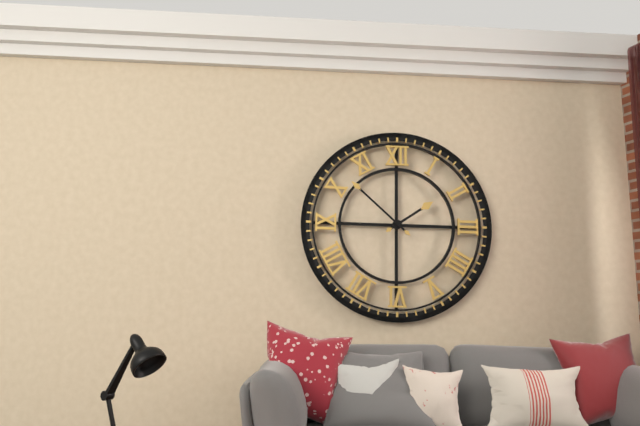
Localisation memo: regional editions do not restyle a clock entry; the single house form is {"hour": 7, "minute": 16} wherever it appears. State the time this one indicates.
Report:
{"hour": 1, "minute": 52}
